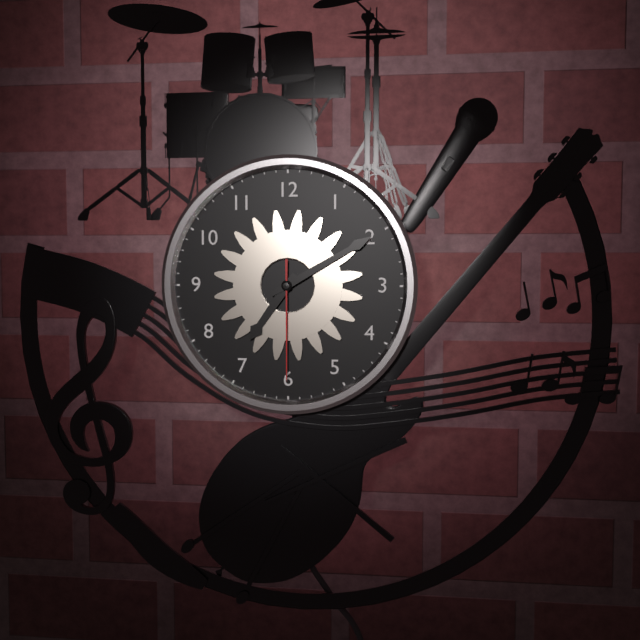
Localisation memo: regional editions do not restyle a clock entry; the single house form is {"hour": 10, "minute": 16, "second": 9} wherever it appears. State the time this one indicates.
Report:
{"hour": 7, "minute": 10, "second": 30}
